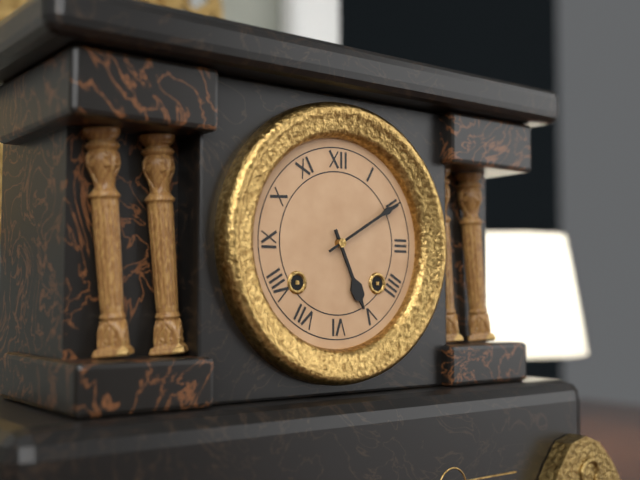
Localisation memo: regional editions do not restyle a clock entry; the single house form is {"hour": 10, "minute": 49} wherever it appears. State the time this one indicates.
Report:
{"hour": 5, "minute": 10}
